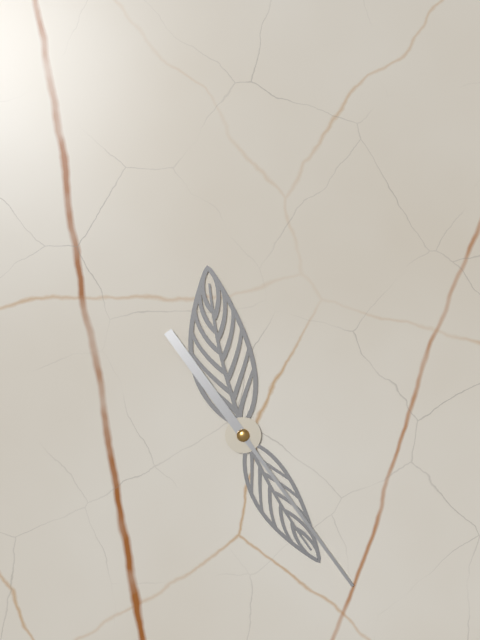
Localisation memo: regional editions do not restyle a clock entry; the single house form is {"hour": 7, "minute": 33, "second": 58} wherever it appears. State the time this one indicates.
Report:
{"hour": 4, "minute": 58, "second": 24}
